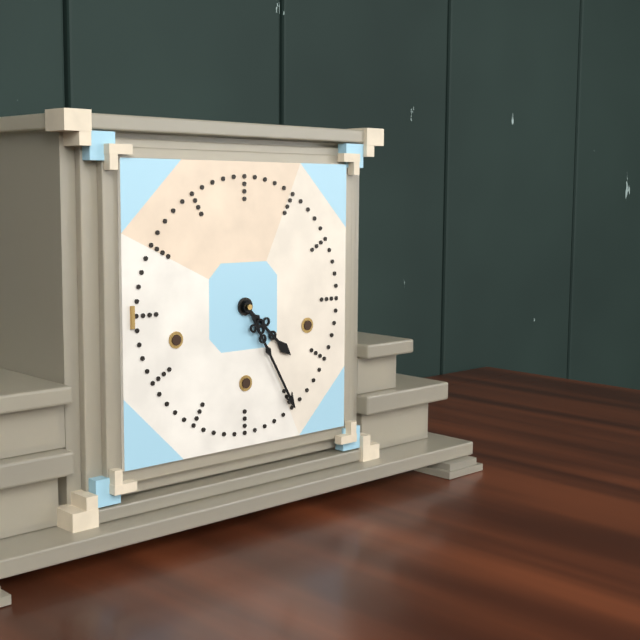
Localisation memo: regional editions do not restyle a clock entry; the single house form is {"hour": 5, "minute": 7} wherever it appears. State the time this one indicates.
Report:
{"hour": 4, "minute": 25}
